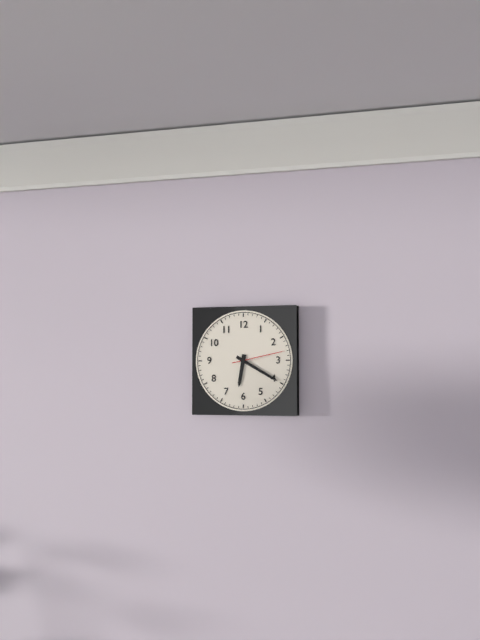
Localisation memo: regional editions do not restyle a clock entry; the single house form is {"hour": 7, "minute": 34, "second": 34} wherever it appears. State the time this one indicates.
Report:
{"hour": 6, "minute": 20, "second": 13}
